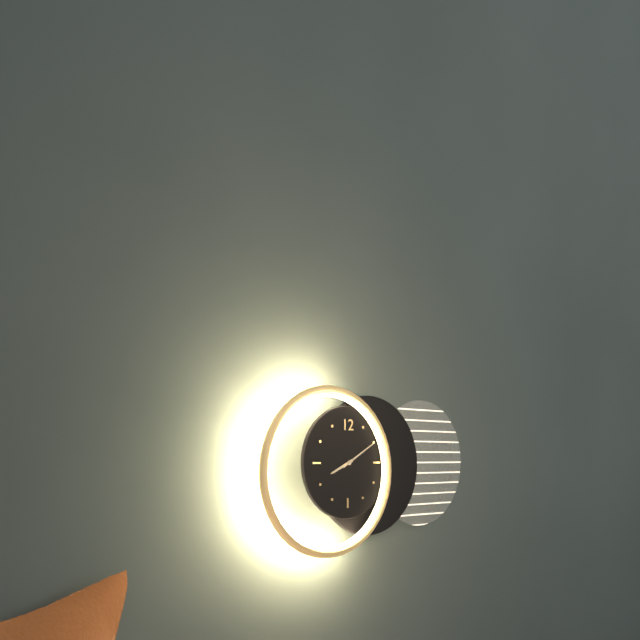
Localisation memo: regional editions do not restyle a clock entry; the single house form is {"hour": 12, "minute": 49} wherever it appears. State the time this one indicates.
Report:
{"hour": 8, "minute": 10}
